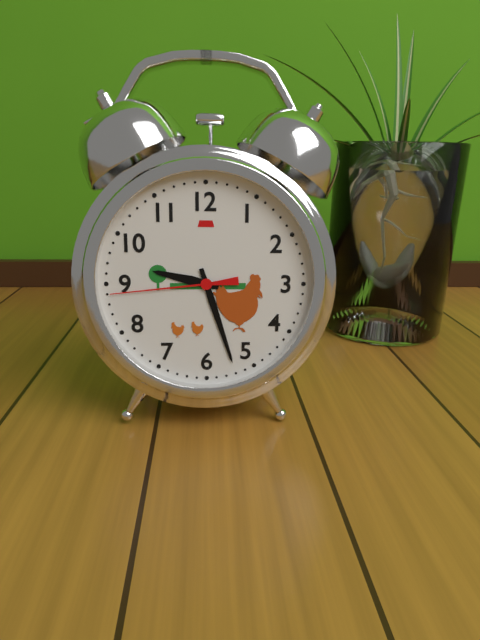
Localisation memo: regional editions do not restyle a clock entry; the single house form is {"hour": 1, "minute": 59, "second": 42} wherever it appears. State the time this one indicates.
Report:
{"hour": 9, "minute": 27, "second": 44}
